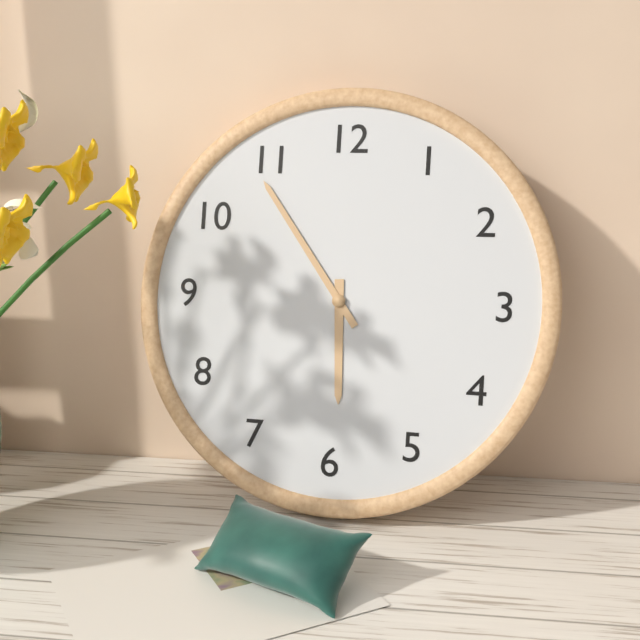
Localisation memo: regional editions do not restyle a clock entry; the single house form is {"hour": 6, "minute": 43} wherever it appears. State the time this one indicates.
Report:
{"hour": 5, "minute": 54}
